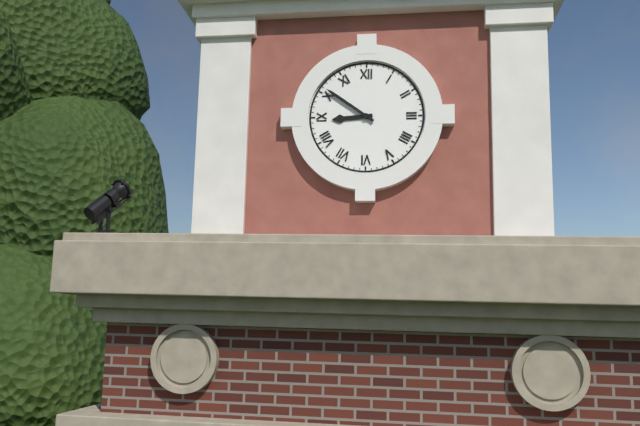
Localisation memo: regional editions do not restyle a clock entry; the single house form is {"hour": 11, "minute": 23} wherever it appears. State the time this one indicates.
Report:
{"hour": 8, "minute": 51}
